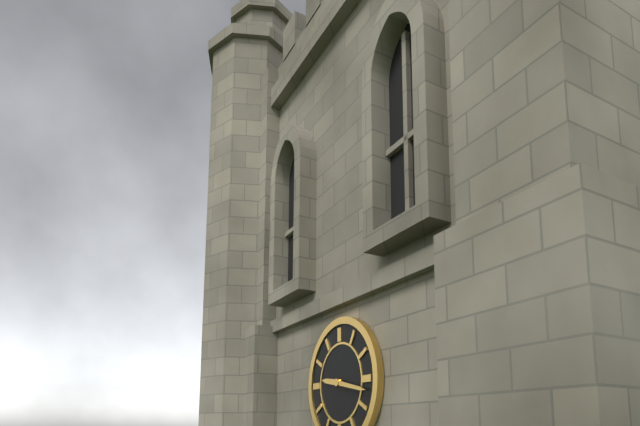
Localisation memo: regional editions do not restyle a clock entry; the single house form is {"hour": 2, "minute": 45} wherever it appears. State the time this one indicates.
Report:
{"hour": 9, "minute": 17}
